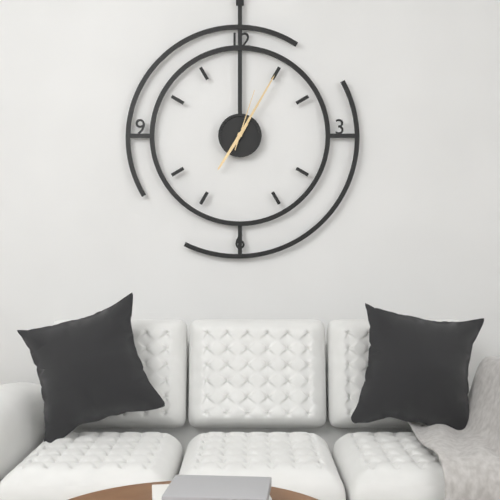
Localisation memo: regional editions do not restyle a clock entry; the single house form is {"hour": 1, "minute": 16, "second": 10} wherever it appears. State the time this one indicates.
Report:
{"hour": 7, "minute": 5, "second": 3}
